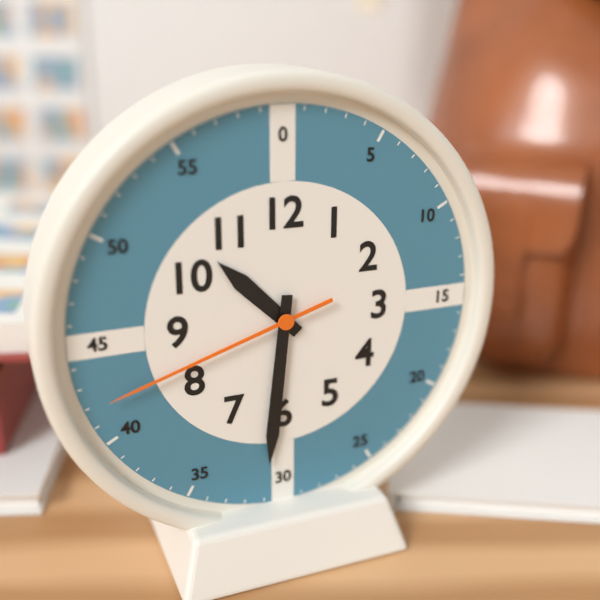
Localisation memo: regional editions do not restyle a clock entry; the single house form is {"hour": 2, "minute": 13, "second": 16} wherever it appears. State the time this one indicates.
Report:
{"hour": 10, "minute": 31, "second": 42}
